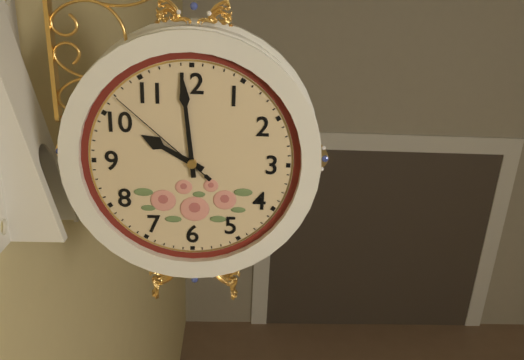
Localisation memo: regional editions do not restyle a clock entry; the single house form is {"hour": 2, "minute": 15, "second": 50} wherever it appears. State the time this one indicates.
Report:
{"hour": 9, "minute": 59, "second": 52}
